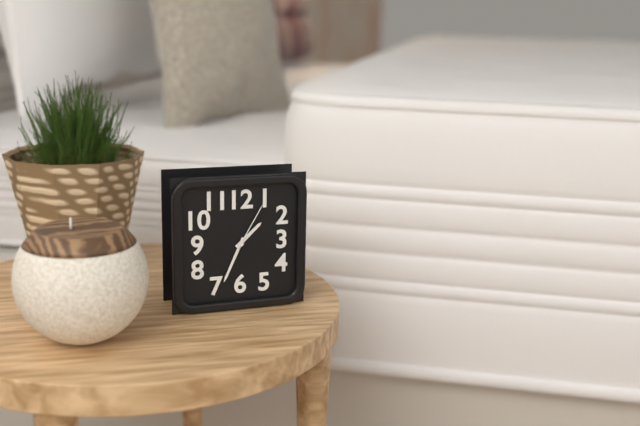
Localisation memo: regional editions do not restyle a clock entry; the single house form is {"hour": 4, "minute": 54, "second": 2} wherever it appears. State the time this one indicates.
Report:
{"hour": 1, "minute": 34, "second": 5}
